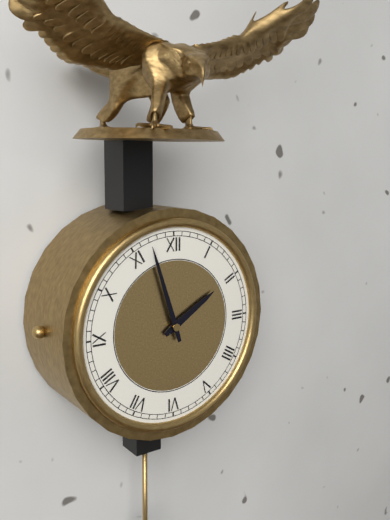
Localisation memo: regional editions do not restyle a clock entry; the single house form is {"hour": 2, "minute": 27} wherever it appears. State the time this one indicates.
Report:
{"hour": 1, "minute": 57}
